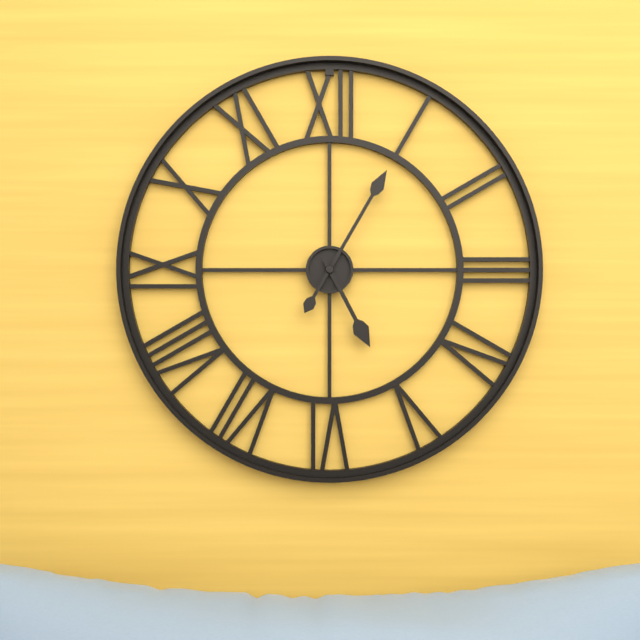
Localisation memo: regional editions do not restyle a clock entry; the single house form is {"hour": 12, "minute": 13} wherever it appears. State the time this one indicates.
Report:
{"hour": 5, "minute": 5}
